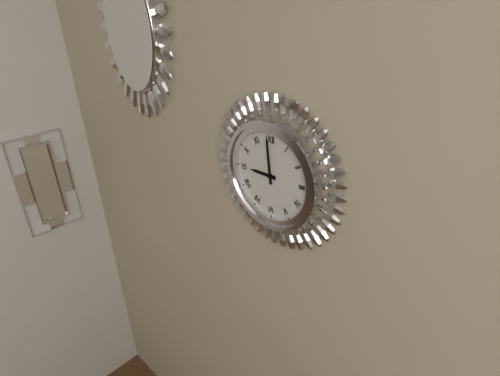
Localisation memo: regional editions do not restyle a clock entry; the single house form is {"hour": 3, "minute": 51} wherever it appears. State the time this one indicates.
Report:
{"hour": 8, "minute": 59}
